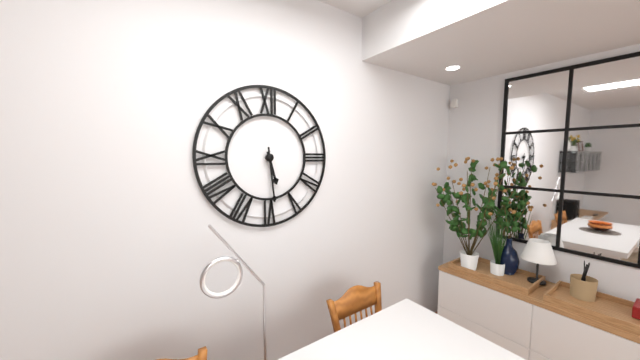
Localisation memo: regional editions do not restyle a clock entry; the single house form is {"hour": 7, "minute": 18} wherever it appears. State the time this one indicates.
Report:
{"hour": 5, "minute": 29}
